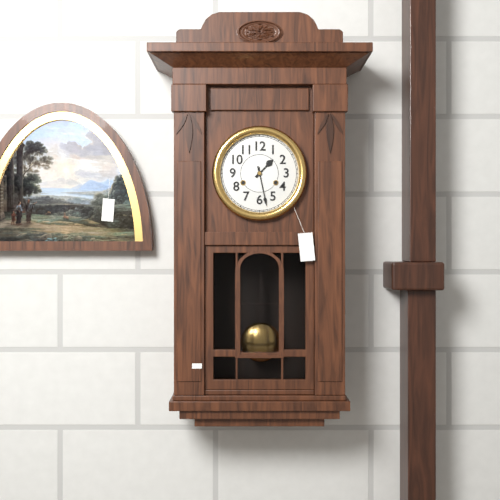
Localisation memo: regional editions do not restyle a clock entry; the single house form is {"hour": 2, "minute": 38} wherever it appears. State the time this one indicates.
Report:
{"hour": 1, "minute": 28}
